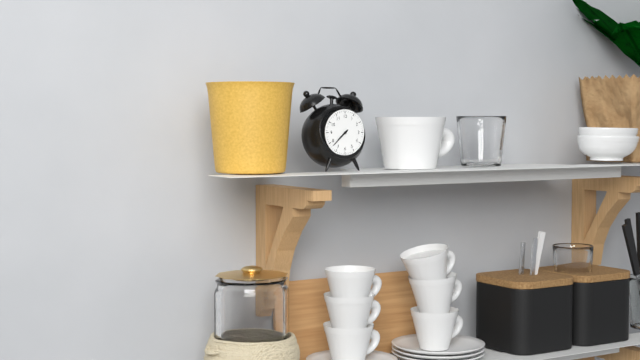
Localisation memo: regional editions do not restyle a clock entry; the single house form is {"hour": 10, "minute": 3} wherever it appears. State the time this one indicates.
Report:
{"hour": 7, "minute": 38}
